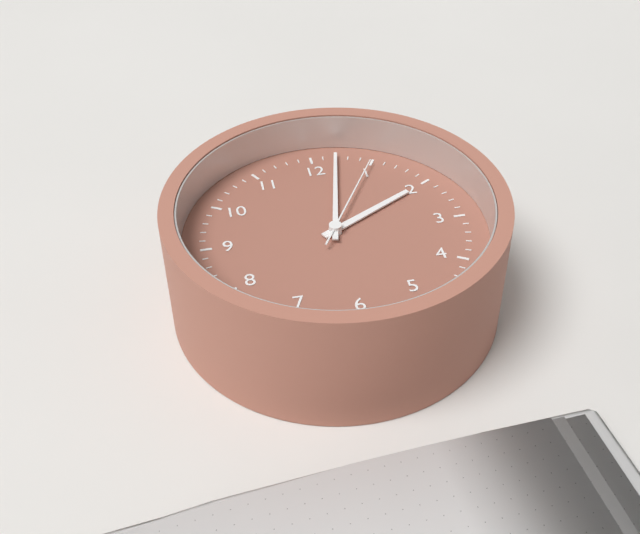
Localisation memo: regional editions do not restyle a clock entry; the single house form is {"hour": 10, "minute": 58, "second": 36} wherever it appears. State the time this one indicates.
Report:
{"hour": 2, "minute": 2, "second": 5}
